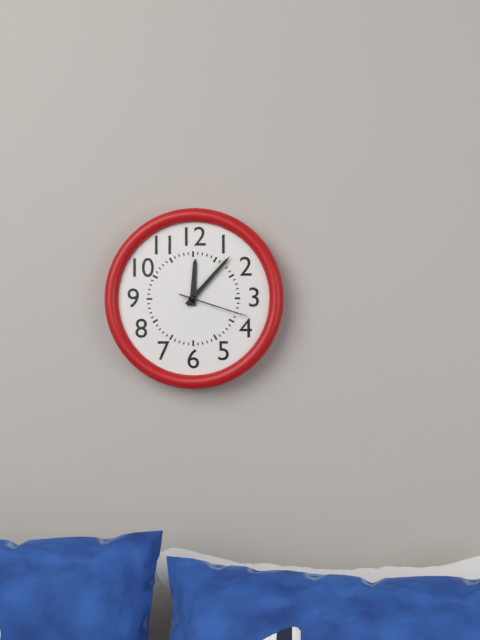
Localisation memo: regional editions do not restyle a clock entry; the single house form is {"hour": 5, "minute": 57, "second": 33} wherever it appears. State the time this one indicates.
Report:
{"hour": 12, "minute": 7, "second": 18}
